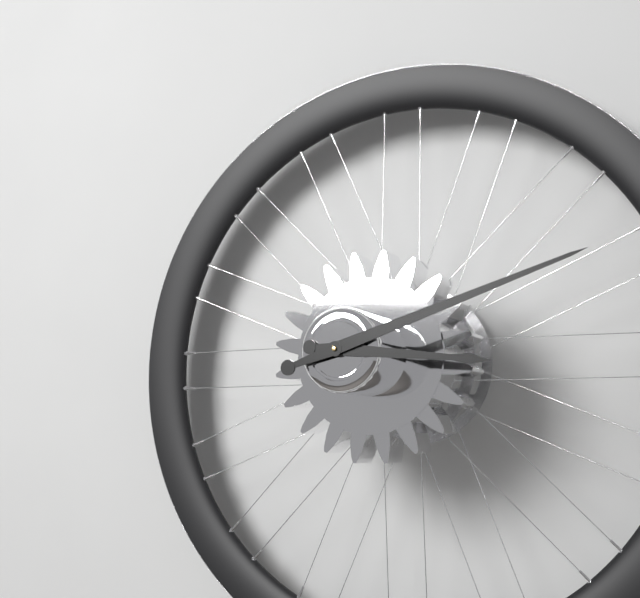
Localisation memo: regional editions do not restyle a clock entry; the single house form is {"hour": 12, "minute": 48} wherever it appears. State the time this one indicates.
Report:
{"hour": 3, "minute": 12}
